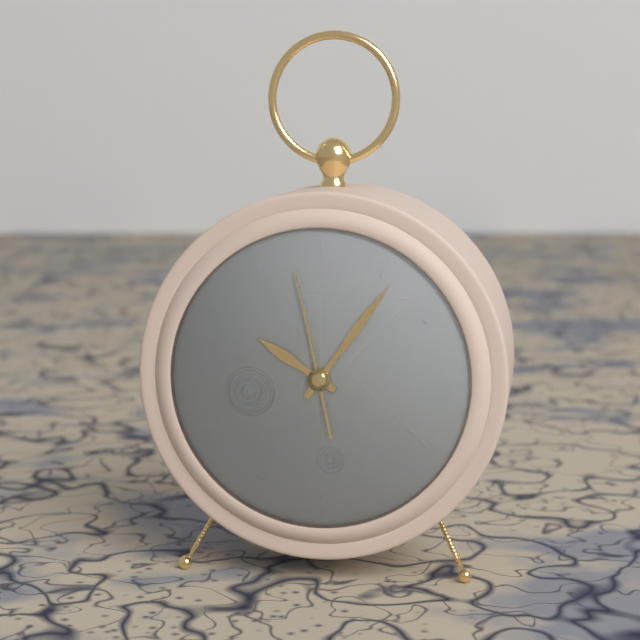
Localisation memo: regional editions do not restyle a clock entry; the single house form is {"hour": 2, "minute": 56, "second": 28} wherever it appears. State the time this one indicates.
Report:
{"hour": 10, "minute": 6, "second": 58}
